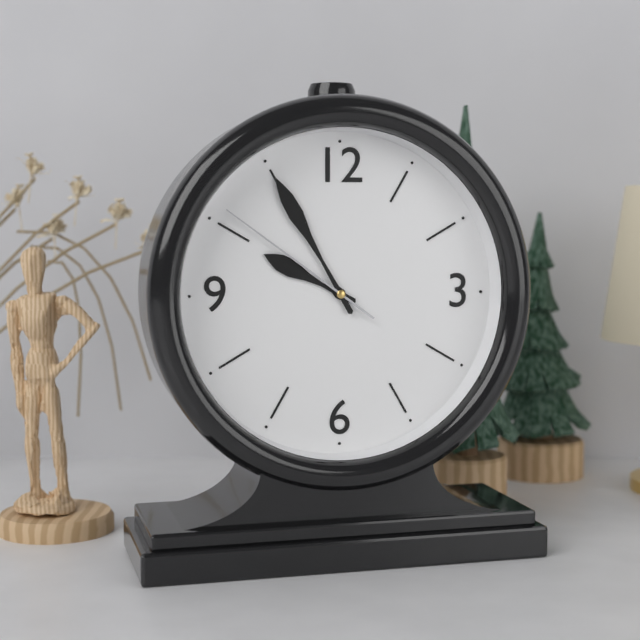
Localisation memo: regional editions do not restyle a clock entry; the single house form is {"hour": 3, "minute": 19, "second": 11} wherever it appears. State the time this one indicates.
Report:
{"hour": 9, "minute": 55, "second": 51}
